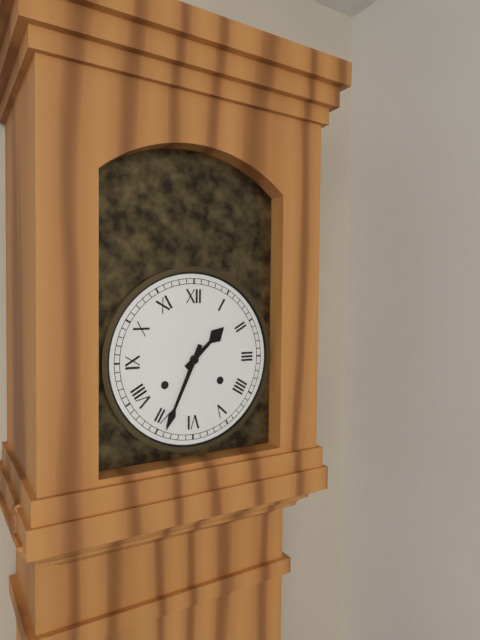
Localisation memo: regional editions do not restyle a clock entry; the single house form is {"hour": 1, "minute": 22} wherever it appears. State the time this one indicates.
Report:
{"hour": 1, "minute": 34}
